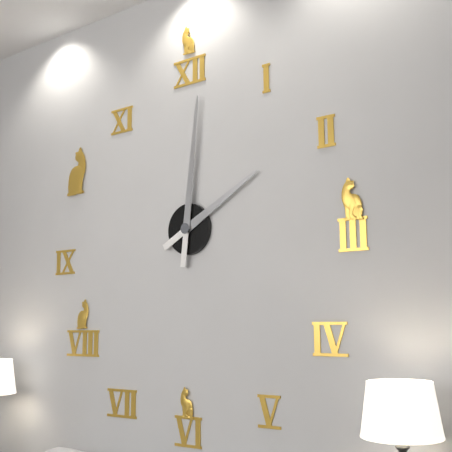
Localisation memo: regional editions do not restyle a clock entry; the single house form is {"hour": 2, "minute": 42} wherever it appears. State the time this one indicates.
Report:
{"hour": 2, "minute": 1}
